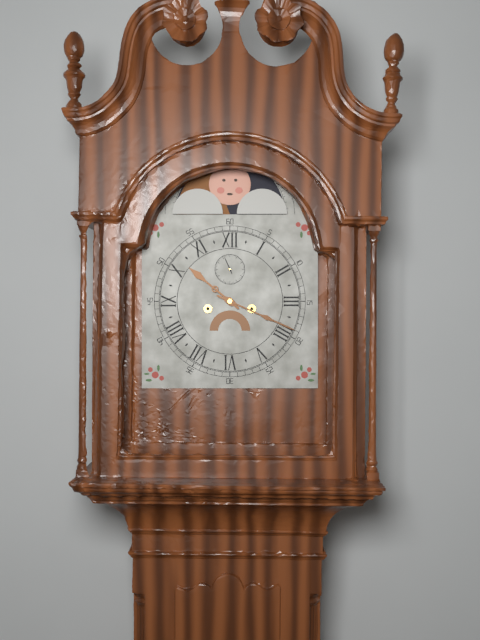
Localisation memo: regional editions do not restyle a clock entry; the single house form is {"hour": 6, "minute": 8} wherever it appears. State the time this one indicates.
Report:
{"hour": 10, "minute": 19}
